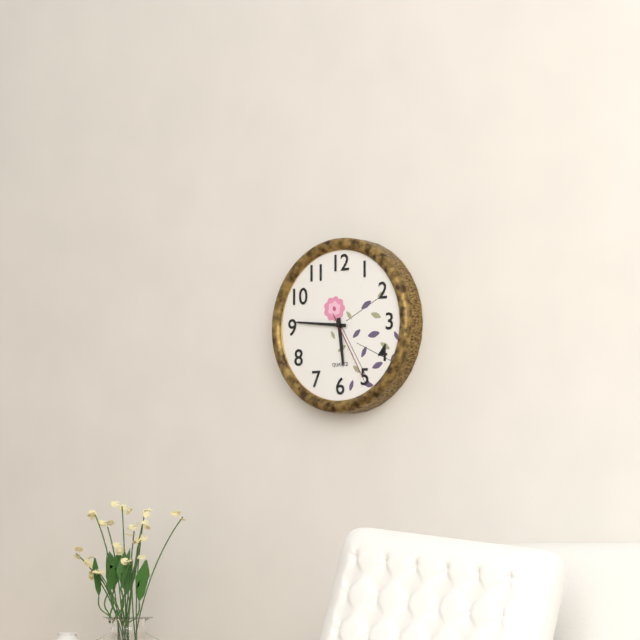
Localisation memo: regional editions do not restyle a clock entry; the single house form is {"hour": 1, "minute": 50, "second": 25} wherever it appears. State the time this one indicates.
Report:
{"hour": 5, "minute": 46, "second": 25}
